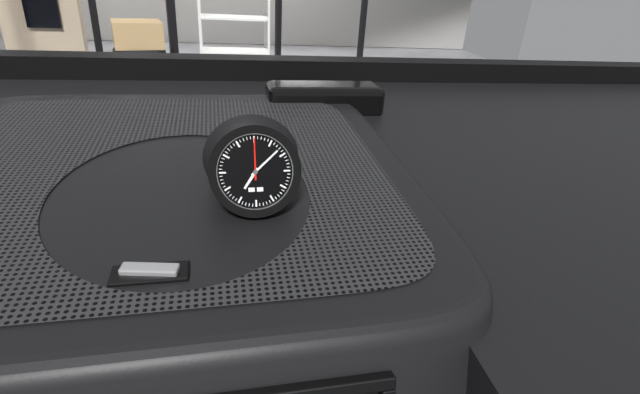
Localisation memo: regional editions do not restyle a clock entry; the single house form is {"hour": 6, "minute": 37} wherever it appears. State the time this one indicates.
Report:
{"hour": 7, "minute": 8}
